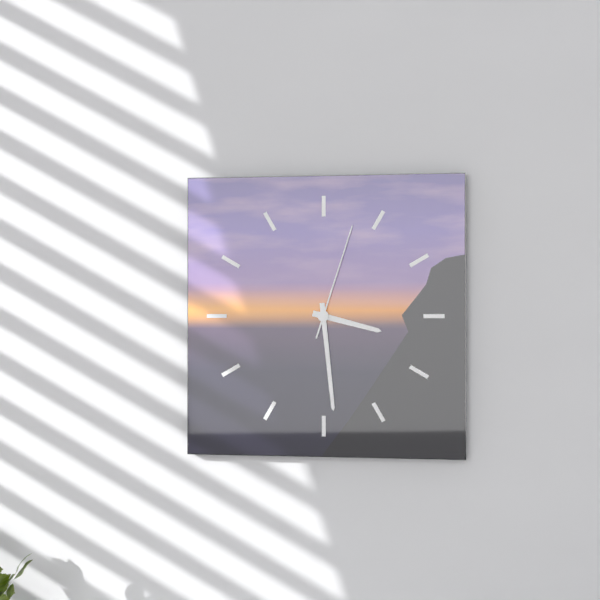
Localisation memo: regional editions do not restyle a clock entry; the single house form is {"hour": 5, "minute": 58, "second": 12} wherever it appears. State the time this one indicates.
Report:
{"hour": 3, "minute": 29, "second": 3}
